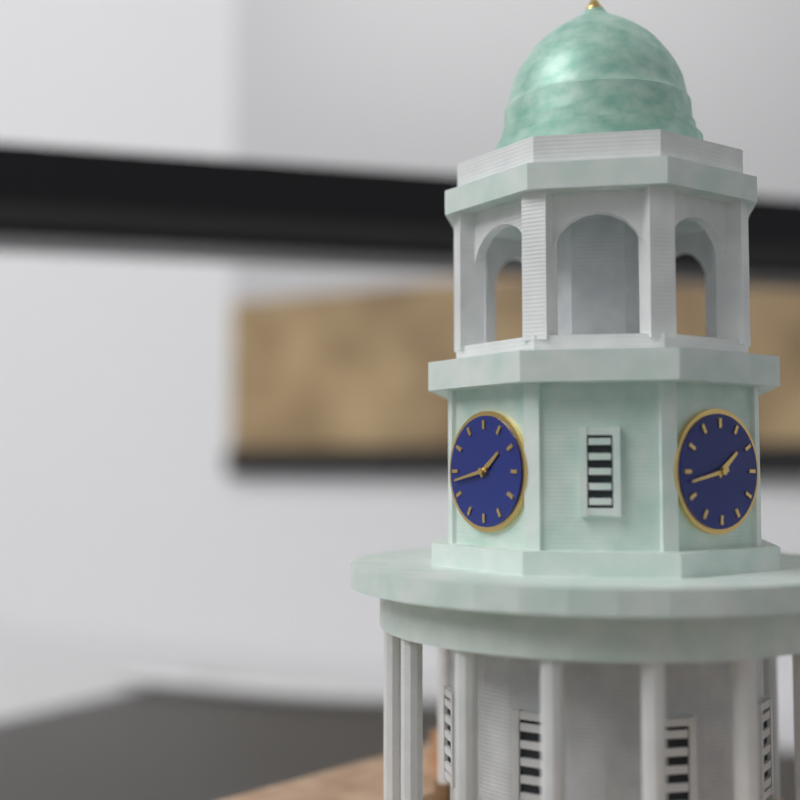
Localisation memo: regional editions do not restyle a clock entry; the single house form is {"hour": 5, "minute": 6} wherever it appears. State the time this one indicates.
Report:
{"hour": 1, "minute": 43}
